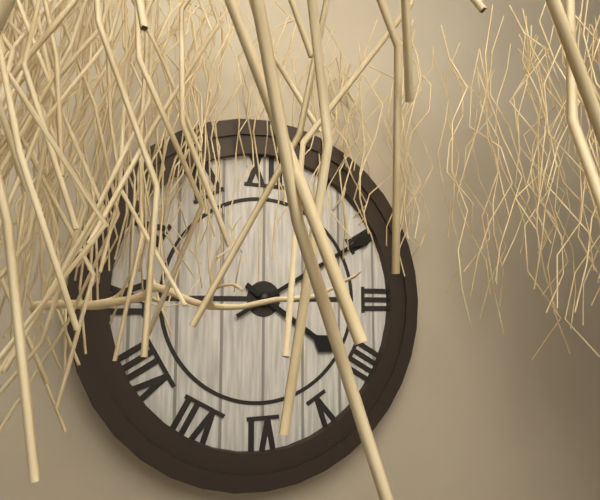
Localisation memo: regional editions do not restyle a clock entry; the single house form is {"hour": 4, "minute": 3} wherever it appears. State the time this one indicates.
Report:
{"hour": 4, "minute": 10}
